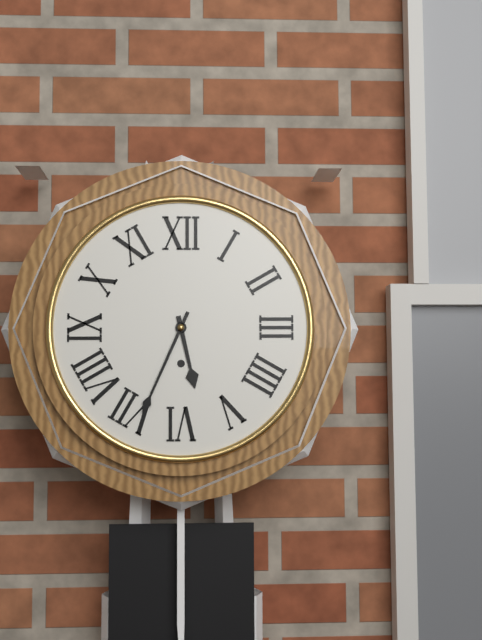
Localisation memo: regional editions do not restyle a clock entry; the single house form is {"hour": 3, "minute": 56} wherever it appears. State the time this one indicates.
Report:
{"hour": 5, "minute": 34}
